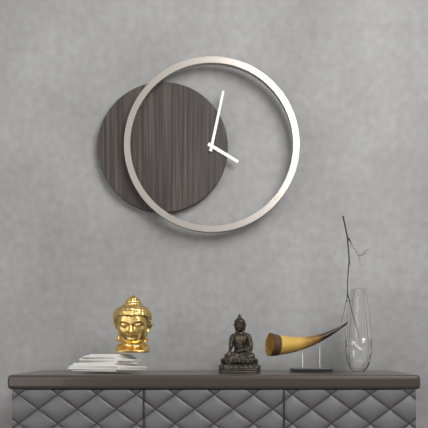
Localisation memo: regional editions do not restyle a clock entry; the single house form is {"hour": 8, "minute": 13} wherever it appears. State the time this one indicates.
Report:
{"hour": 4, "minute": 2}
